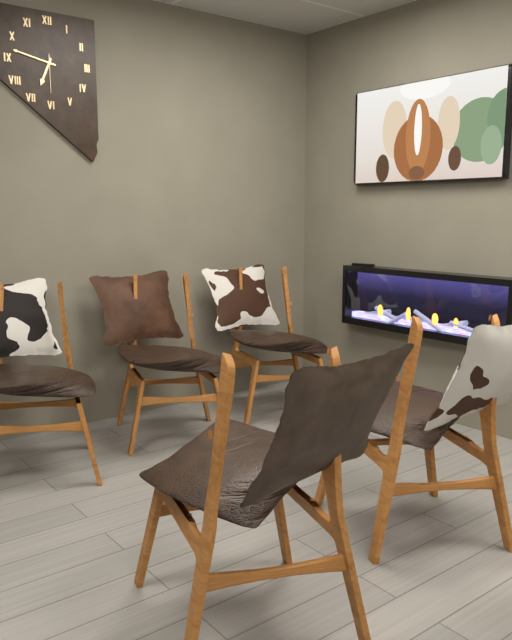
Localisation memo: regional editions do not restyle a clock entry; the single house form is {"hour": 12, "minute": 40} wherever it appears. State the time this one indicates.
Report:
{"hour": 6, "minute": 47}
